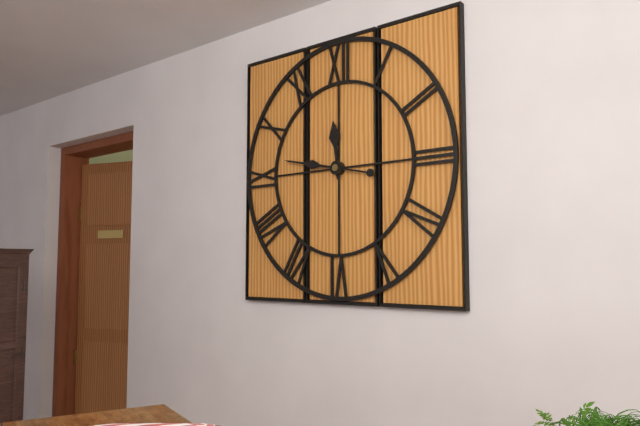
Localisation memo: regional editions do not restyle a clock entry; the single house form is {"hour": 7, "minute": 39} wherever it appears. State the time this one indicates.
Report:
{"hour": 11, "minute": 47}
